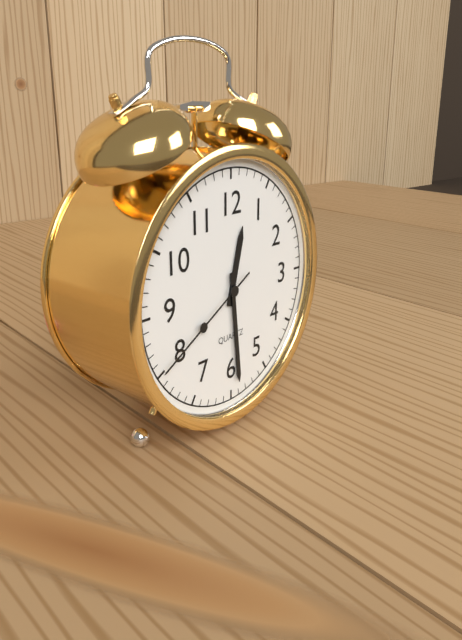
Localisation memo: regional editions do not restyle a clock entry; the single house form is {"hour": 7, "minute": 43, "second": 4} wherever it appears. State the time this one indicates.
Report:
{"hour": 12, "minute": 29, "second": 40}
